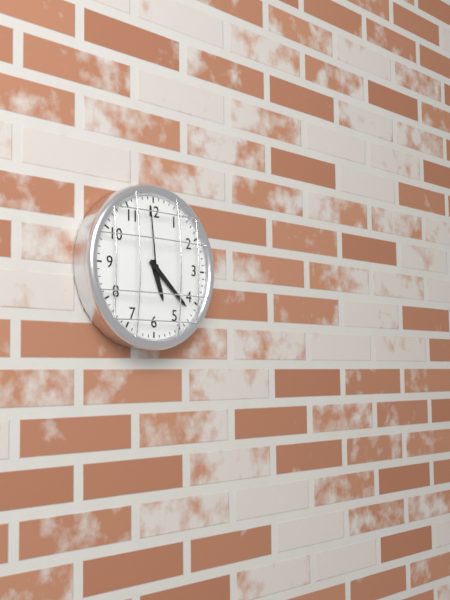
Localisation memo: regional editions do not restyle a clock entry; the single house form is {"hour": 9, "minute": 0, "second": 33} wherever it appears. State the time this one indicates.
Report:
{"hour": 5, "minute": 22, "second": 59}
